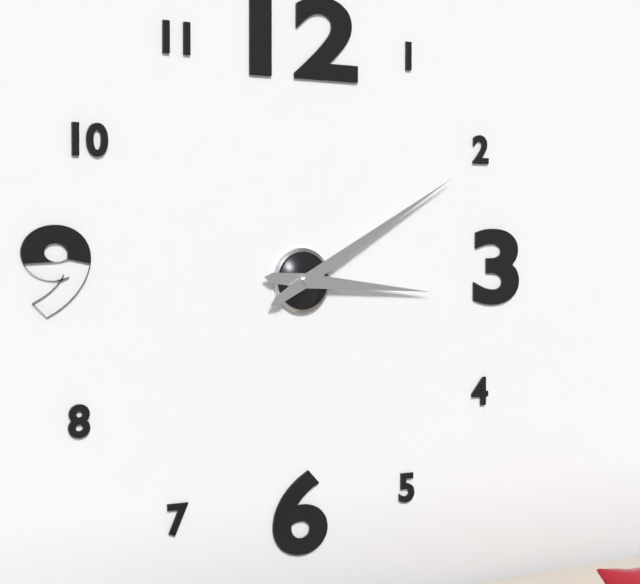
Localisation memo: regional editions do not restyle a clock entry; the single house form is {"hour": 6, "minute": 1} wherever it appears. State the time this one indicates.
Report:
{"hour": 3, "minute": 10}
